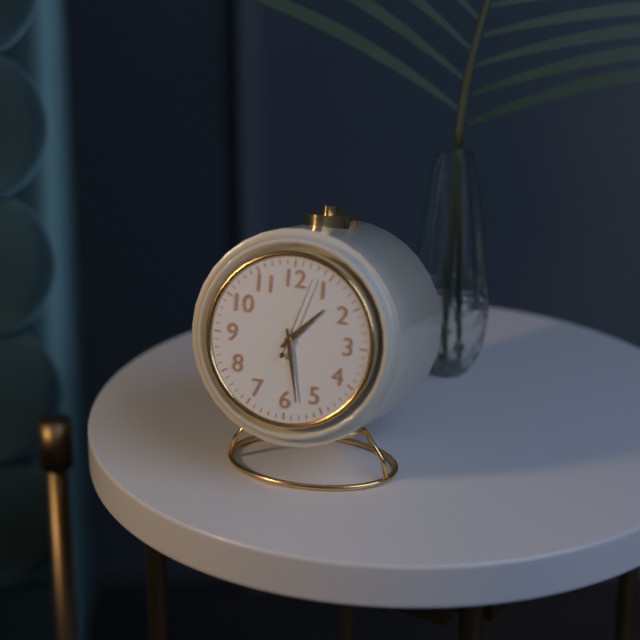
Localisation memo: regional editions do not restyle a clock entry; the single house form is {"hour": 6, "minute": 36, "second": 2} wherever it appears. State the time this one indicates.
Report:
{"hour": 1, "minute": 28, "second": 3}
